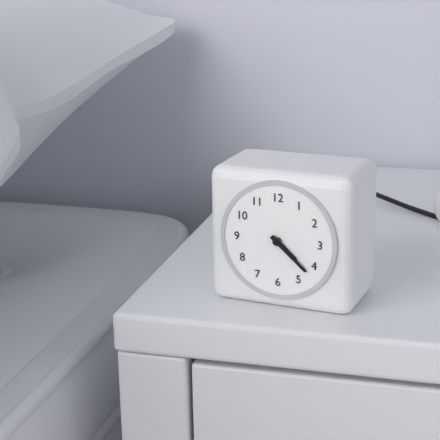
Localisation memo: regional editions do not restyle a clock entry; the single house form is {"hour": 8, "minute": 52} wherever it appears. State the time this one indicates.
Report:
{"hour": 4, "minute": 22}
